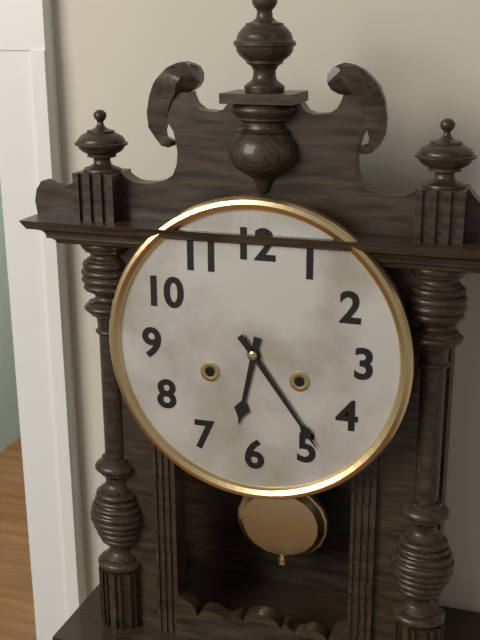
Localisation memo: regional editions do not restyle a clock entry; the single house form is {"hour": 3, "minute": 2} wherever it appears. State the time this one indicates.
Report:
{"hour": 6, "minute": 24}
